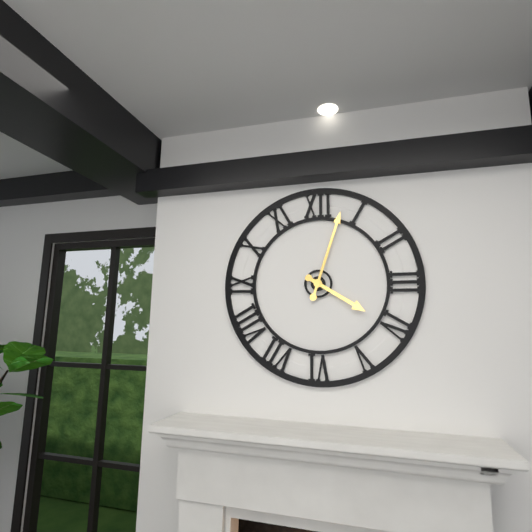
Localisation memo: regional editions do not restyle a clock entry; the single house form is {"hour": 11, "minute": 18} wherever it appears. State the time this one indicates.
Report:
{"hour": 4, "minute": 3}
